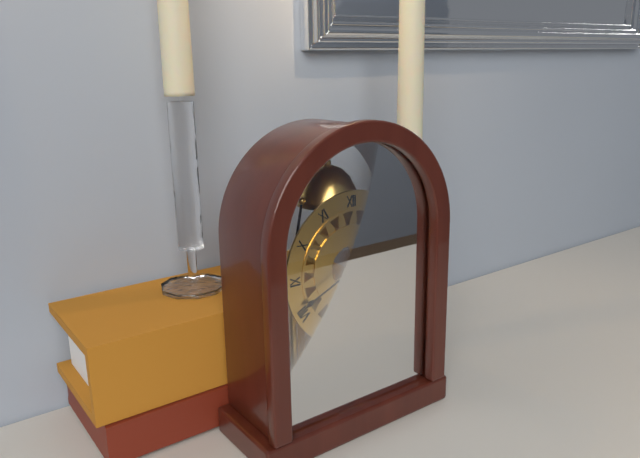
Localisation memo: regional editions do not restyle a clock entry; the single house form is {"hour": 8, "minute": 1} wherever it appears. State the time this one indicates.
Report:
{"hour": 1, "minute": 41}
